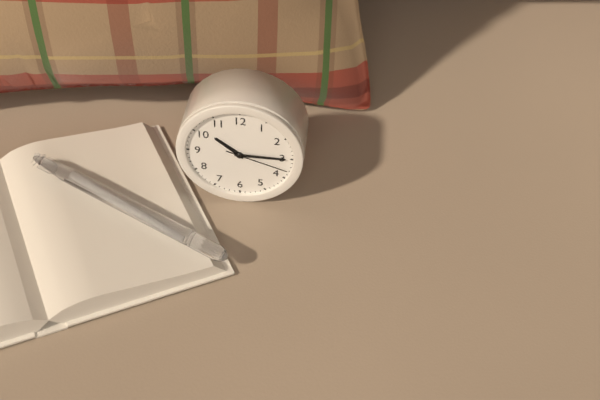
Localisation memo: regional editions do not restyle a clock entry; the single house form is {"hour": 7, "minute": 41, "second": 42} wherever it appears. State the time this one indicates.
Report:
{"hour": 10, "minute": 15, "second": 18}
